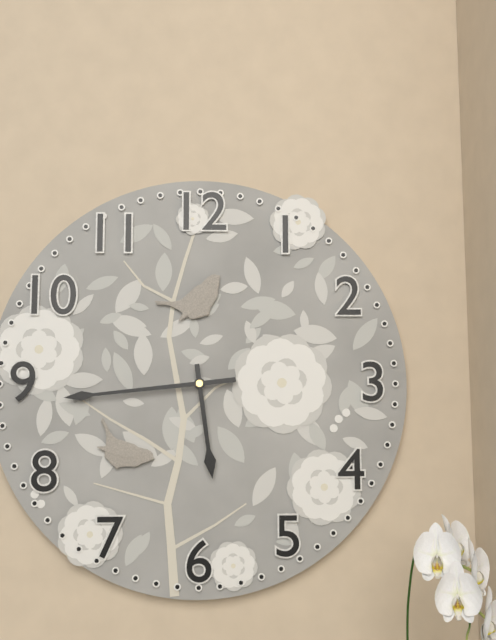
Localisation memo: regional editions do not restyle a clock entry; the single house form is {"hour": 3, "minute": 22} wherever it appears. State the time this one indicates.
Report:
{"hour": 5, "minute": 44}
